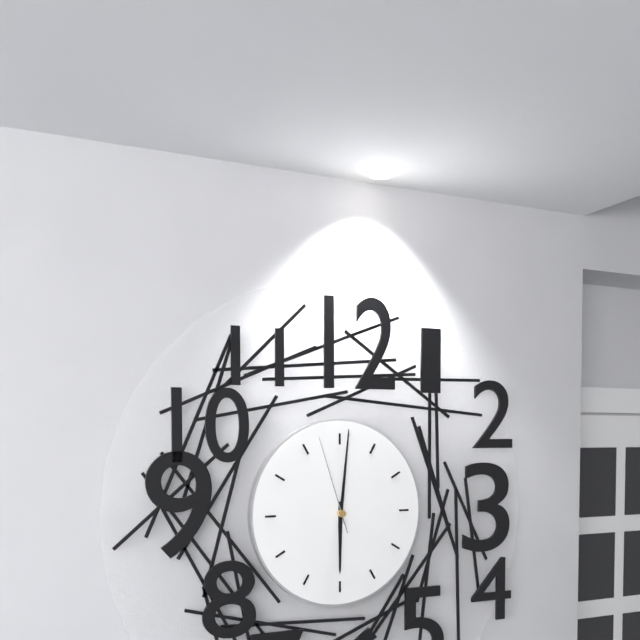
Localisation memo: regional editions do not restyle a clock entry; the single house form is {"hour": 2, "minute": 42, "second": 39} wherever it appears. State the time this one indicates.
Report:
{"hour": 6, "minute": 1, "second": 57}
